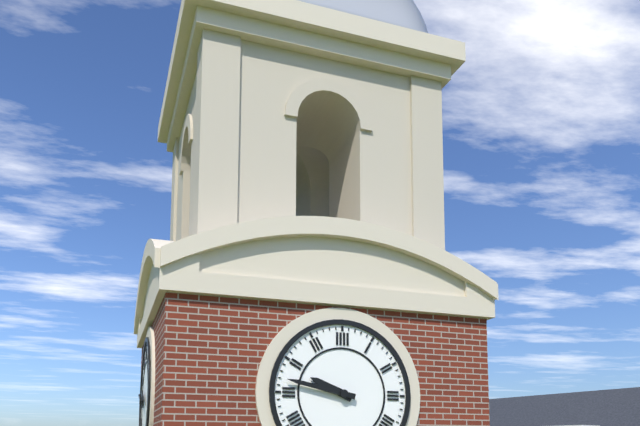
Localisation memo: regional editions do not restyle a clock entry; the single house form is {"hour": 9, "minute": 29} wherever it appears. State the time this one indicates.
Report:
{"hour": 9, "minute": 47}
